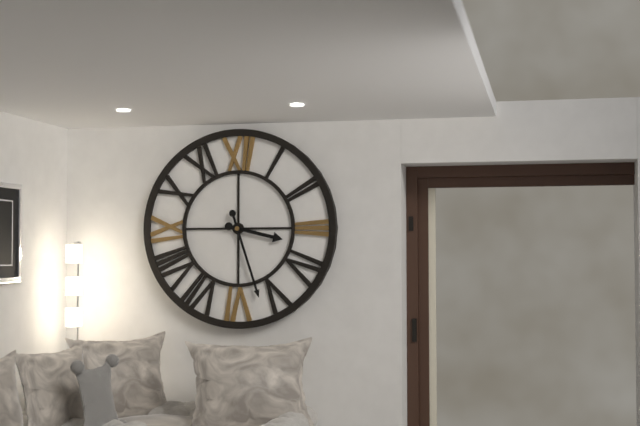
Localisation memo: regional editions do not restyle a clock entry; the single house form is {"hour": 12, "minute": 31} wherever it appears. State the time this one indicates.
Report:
{"hour": 3, "minute": 27}
